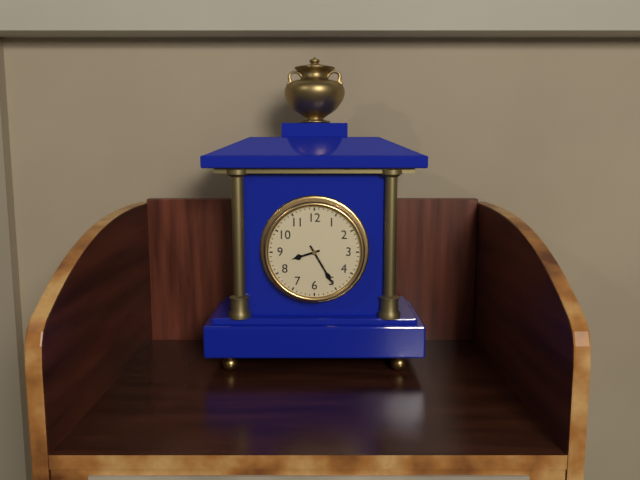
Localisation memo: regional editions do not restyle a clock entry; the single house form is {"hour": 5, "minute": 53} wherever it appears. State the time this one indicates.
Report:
{"hour": 8, "minute": 25}
